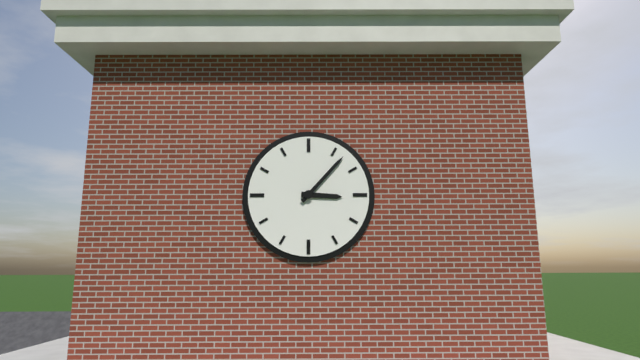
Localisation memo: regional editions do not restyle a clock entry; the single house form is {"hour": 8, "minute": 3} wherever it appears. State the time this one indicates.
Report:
{"hour": 3, "minute": 7}
